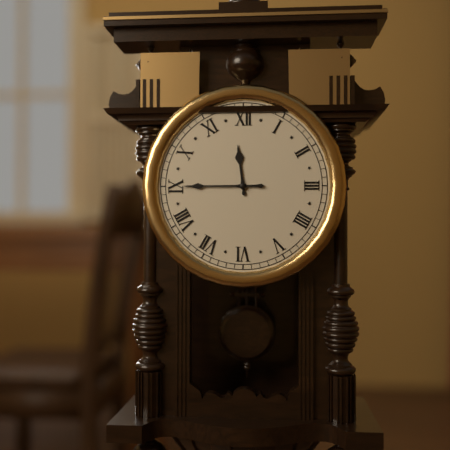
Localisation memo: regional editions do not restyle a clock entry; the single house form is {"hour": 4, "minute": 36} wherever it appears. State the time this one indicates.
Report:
{"hour": 11, "minute": 45}
